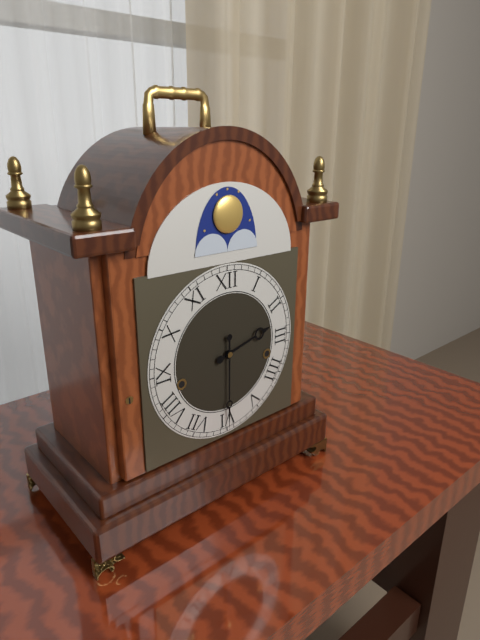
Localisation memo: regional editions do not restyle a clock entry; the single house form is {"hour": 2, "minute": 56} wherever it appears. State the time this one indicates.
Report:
{"hour": 2, "minute": 30}
